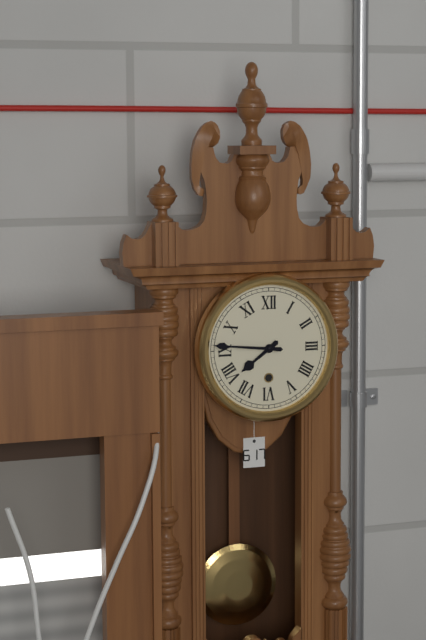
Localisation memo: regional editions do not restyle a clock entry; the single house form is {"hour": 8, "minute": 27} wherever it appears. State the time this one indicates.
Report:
{"hour": 7, "minute": 46}
